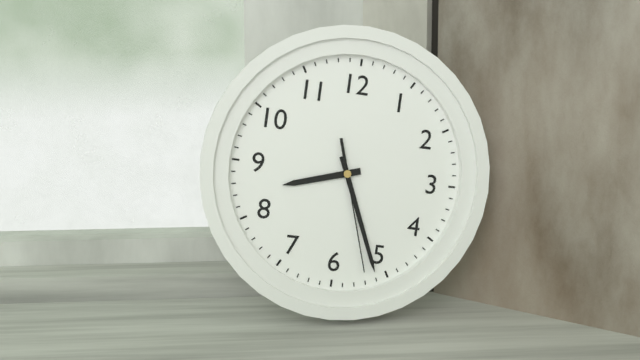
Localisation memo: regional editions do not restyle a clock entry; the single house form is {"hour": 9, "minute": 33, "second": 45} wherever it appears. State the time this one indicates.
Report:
{"hour": 8, "minute": 26, "second": 27}
